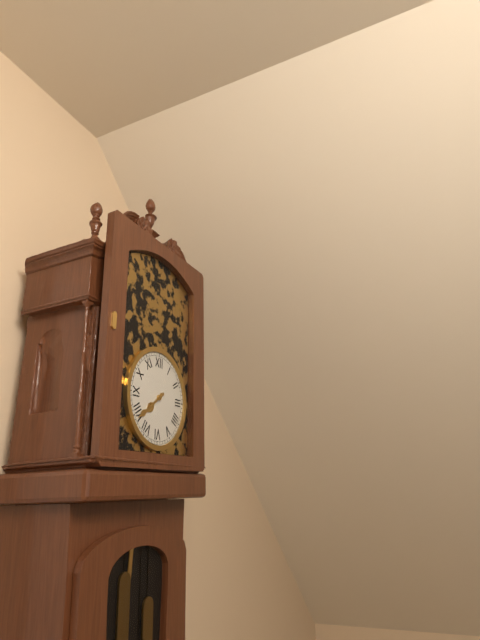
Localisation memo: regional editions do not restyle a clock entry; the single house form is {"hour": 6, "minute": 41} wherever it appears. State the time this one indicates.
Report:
{"hour": 7, "minute": 39}
